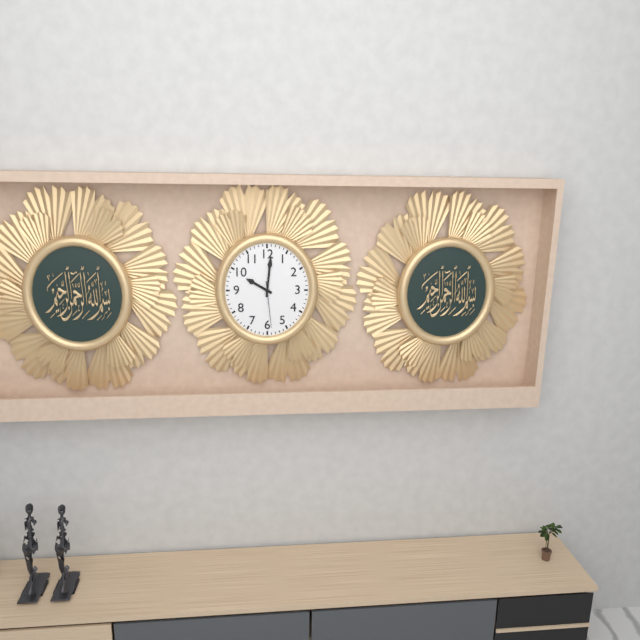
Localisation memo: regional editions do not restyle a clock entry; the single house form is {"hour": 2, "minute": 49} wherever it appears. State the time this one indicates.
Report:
{"hour": 10, "minute": 1}
